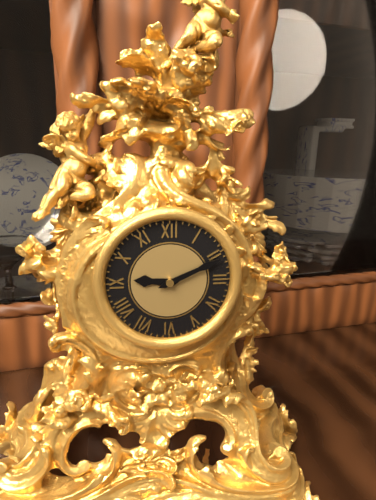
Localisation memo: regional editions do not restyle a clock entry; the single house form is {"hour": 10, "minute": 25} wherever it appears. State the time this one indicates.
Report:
{"hour": 9, "minute": 11}
